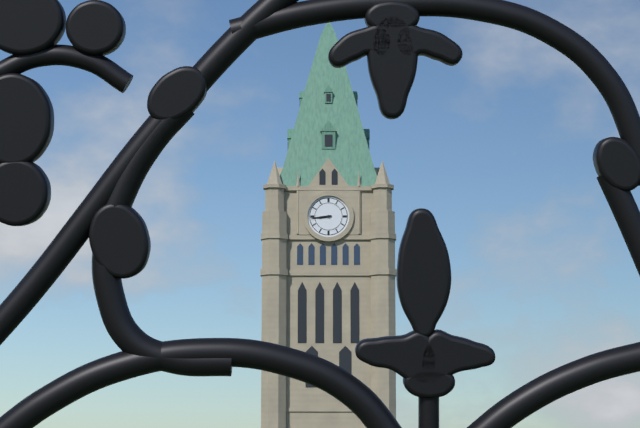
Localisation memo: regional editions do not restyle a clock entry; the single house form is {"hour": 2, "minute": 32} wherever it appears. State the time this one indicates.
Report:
{"hour": 8, "minute": 44}
